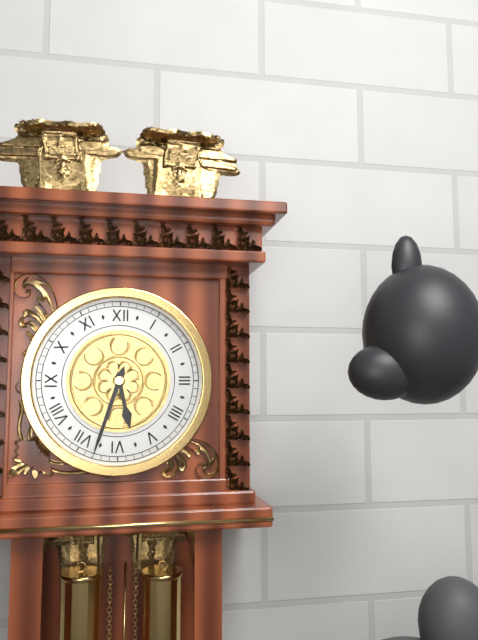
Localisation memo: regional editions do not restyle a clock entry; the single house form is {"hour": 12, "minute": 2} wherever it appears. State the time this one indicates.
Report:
{"hour": 5, "minute": 33}
